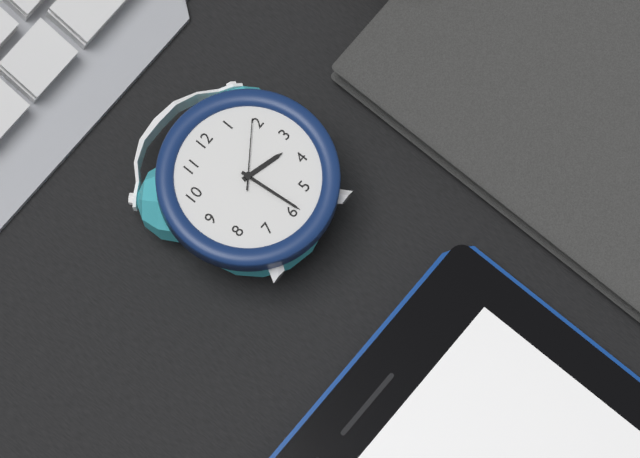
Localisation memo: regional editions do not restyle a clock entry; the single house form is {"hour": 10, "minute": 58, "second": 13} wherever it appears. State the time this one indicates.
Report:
{"hour": 3, "minute": 29, "second": 9}
